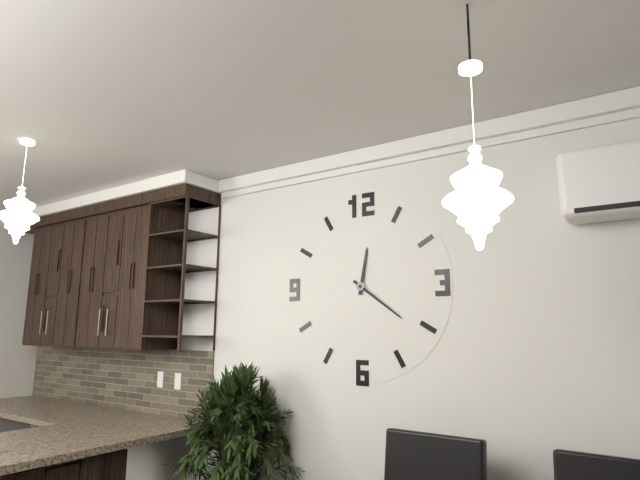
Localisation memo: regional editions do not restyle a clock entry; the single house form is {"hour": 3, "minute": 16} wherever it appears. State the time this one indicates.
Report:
{"hour": 12, "minute": 21}
